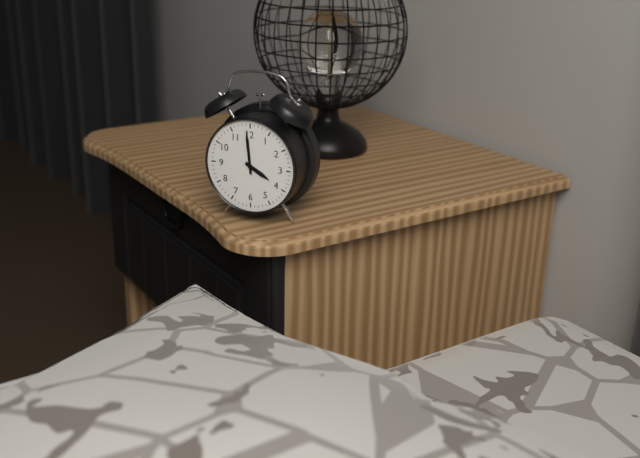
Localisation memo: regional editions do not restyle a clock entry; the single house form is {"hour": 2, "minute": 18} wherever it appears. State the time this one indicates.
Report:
{"hour": 3, "minute": 59}
